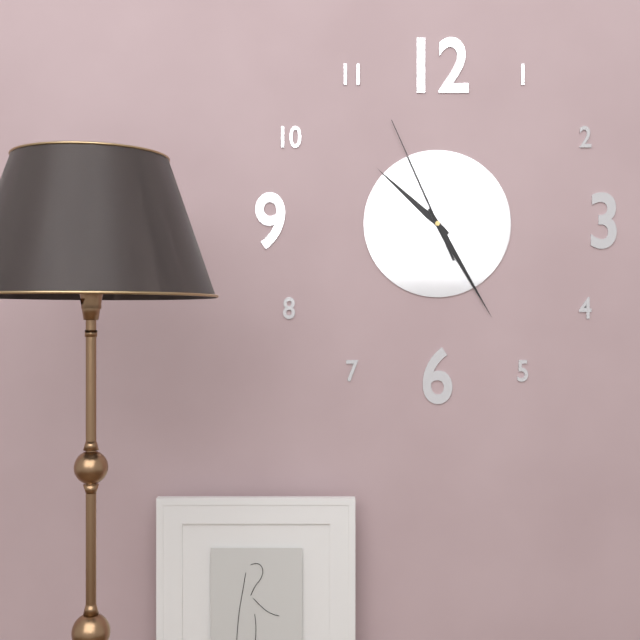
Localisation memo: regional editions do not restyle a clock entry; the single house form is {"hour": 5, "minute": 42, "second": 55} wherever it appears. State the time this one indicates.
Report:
{"hour": 10, "minute": 25, "second": 56}
